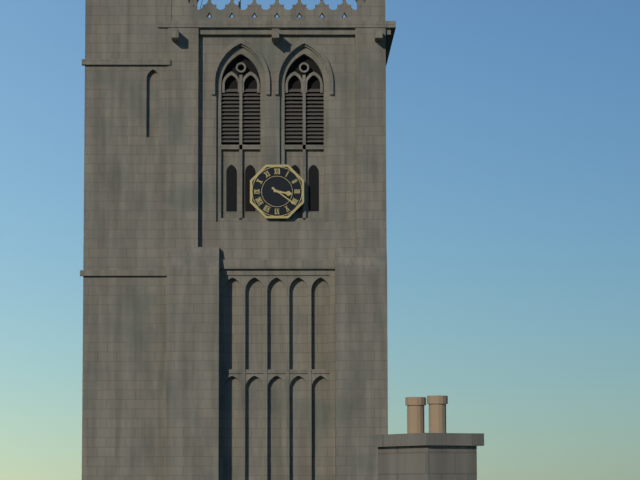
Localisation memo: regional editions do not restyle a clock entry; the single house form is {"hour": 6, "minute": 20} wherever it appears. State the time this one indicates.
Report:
{"hour": 3, "minute": 21}
